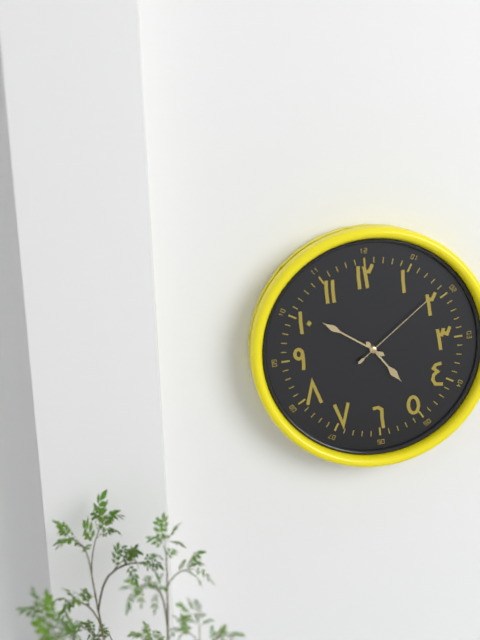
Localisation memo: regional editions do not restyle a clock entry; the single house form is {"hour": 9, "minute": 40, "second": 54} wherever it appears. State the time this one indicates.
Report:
{"hour": 4, "minute": 51, "second": 9}
